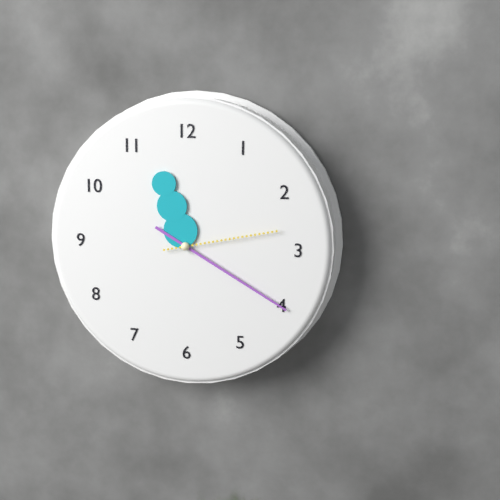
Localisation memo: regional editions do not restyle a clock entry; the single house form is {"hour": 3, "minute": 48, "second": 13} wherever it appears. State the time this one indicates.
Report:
{"hour": 11, "minute": 20, "second": 13}
